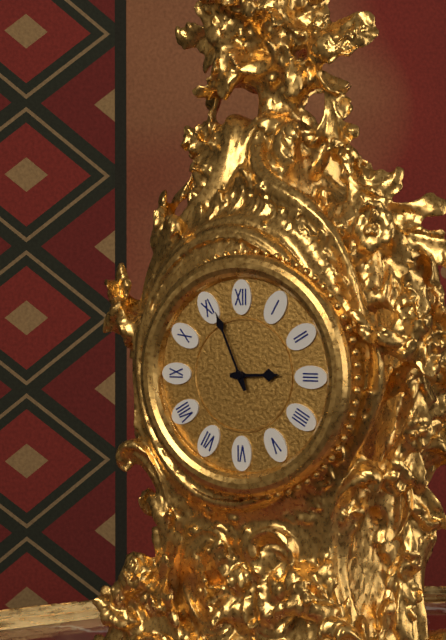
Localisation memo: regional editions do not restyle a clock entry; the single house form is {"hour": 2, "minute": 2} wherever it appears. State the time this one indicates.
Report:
{"hour": 2, "minute": 56}
